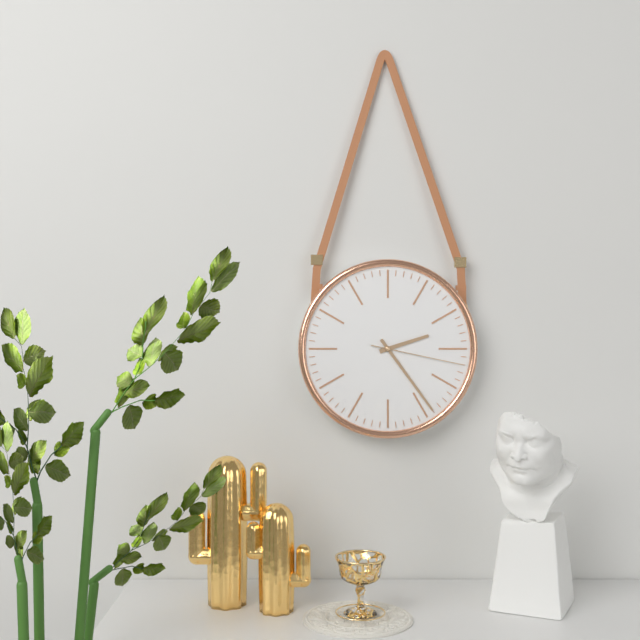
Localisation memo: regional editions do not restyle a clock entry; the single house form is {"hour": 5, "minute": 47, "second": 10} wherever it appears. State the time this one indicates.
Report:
{"hour": 2, "minute": 24, "second": 17}
